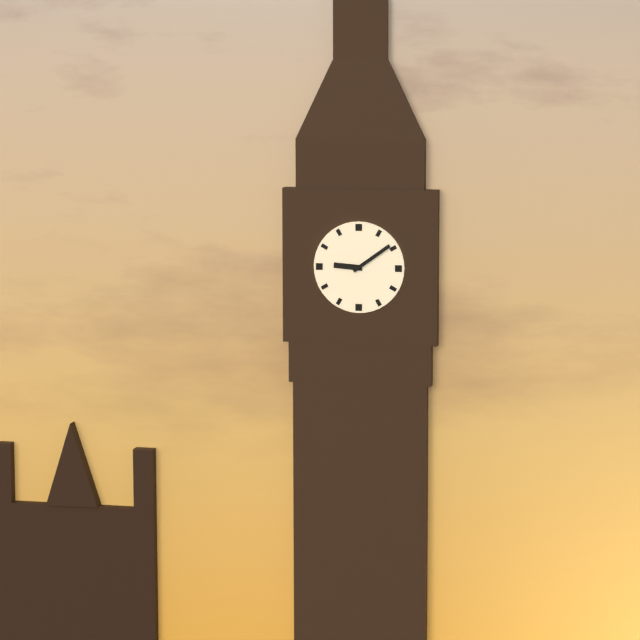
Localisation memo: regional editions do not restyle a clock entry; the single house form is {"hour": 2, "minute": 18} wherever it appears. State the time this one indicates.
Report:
{"hour": 9, "minute": 9}
